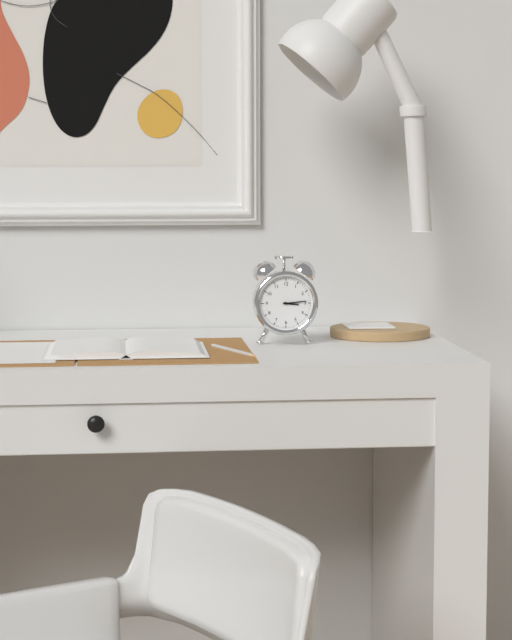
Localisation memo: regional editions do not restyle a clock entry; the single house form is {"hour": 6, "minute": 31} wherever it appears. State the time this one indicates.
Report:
{"hour": 3, "minute": 14}
